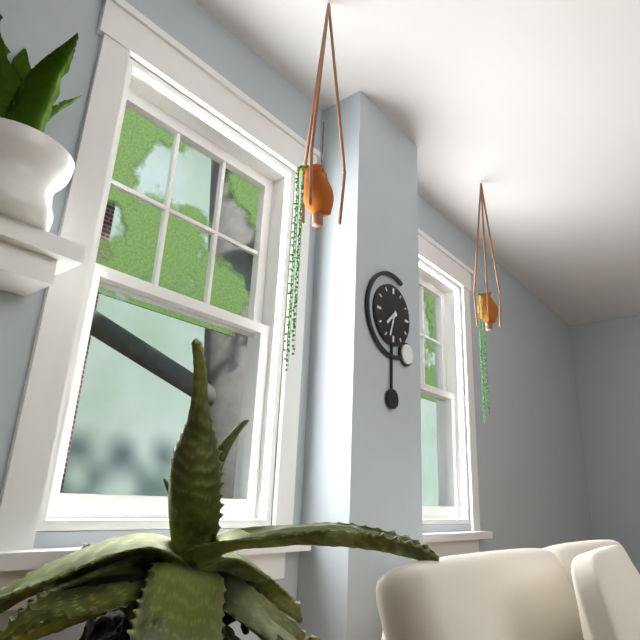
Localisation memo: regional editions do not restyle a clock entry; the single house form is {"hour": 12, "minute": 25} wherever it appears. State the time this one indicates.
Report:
{"hour": 7, "minute": 33}
